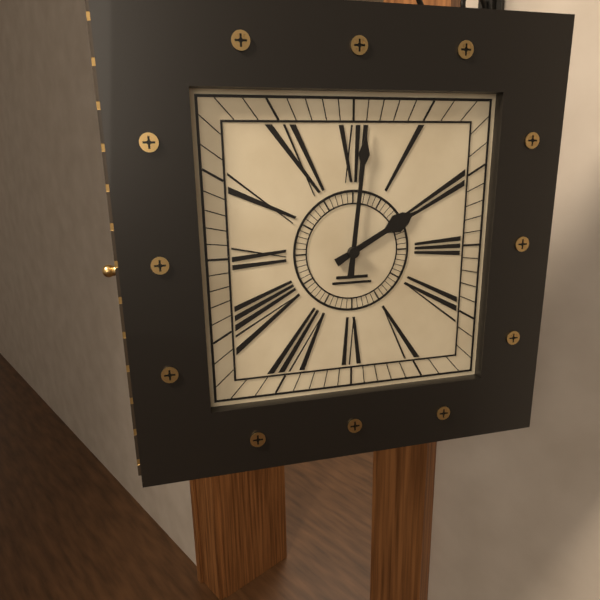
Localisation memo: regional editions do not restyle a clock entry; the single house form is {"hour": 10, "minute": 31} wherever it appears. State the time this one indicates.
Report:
{"hour": 2, "minute": 1}
